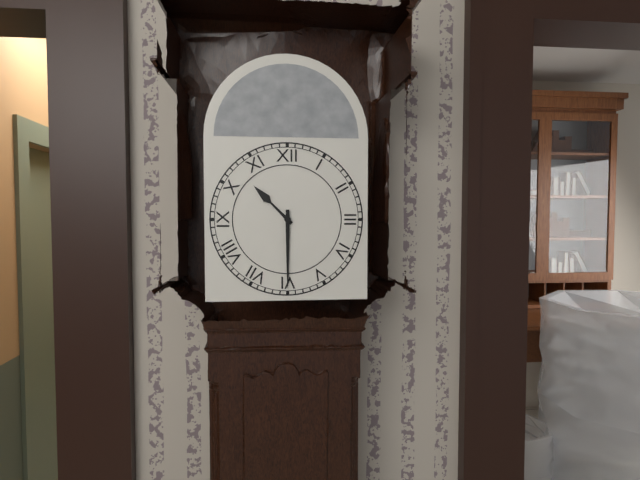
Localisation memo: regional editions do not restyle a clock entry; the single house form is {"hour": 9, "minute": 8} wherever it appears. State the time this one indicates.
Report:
{"hour": 10, "minute": 30}
